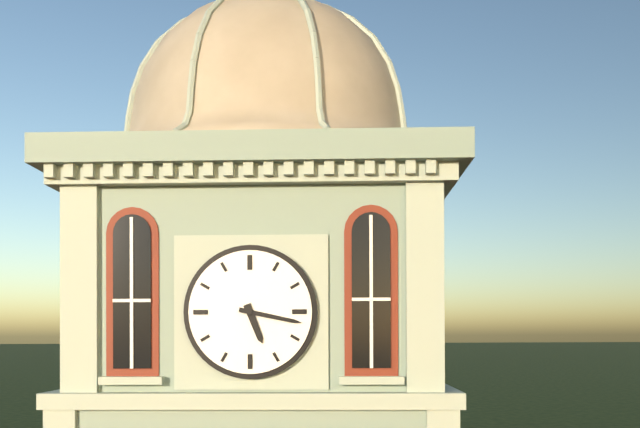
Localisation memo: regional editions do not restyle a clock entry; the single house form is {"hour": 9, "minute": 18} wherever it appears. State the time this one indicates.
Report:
{"hour": 5, "minute": 17}
